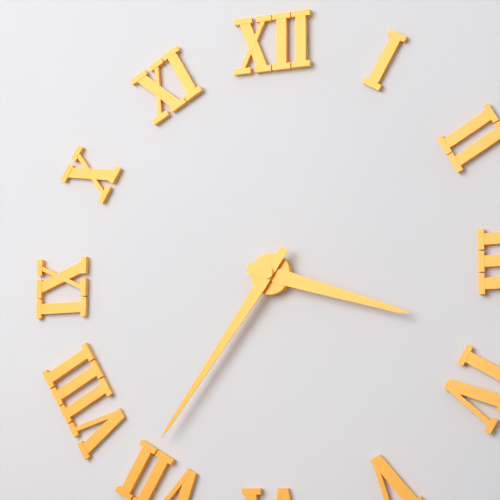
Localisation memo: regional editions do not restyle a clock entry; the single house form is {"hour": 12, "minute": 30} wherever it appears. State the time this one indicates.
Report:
{"hour": 3, "minute": 36}
